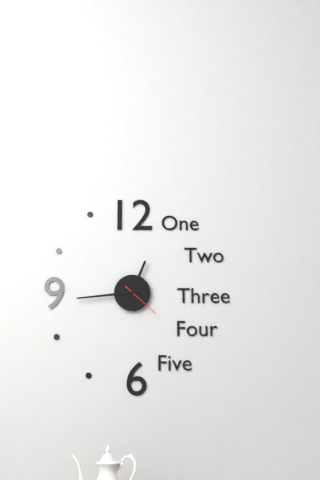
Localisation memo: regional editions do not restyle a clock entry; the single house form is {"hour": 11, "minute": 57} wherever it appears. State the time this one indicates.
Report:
{"hour": 12, "minute": 44}
